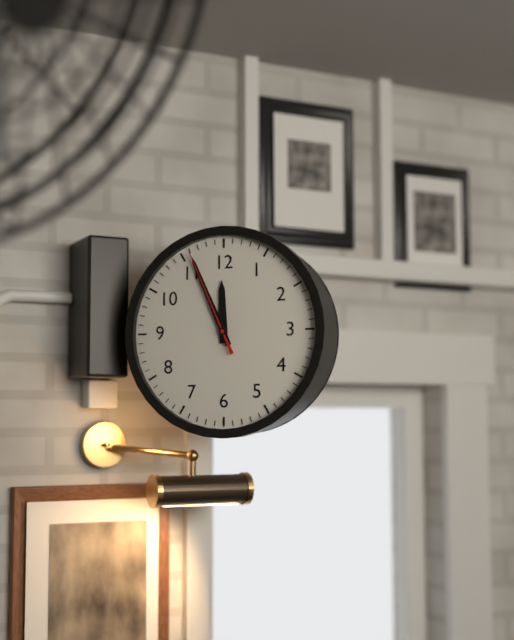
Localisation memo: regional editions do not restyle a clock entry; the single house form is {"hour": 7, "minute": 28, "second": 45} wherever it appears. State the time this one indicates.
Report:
{"hour": 11, "minute": 56, "second": 56}
